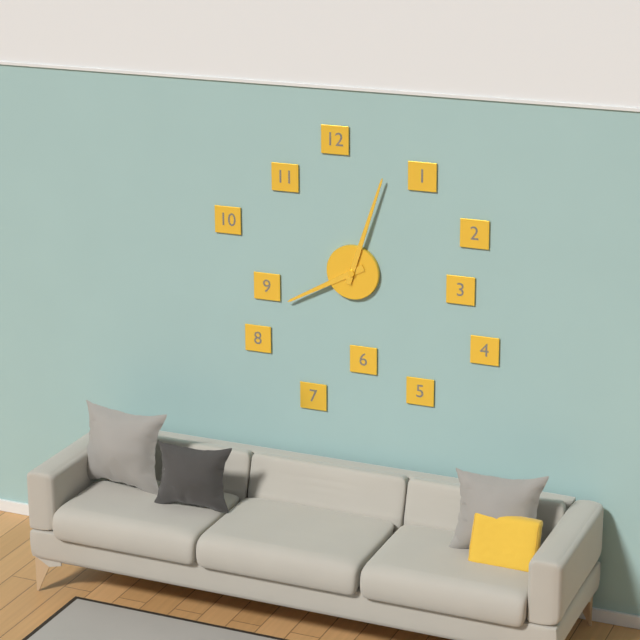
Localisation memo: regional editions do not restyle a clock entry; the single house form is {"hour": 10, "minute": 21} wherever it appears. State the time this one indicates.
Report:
{"hour": 8, "minute": 3}
